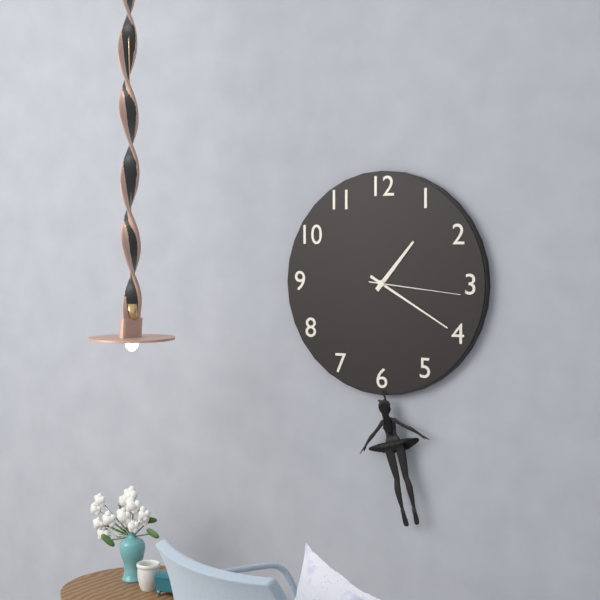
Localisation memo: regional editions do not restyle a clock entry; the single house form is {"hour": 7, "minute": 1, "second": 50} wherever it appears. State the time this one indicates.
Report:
{"hour": 1, "minute": 20, "second": 16}
